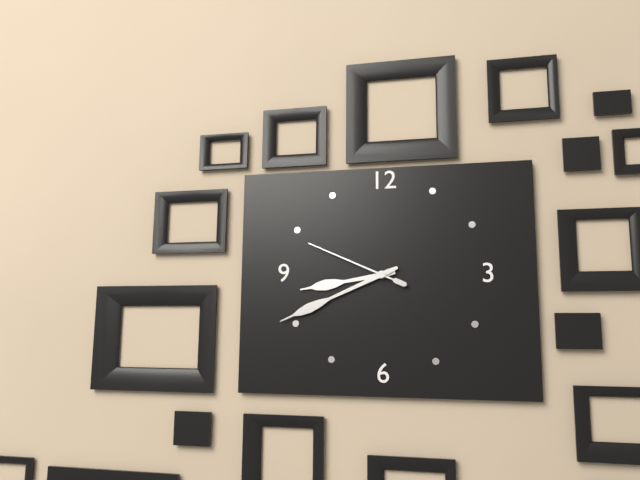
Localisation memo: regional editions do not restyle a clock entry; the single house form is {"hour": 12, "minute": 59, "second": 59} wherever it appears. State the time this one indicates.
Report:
{"hour": 8, "minute": 41, "second": 49}
